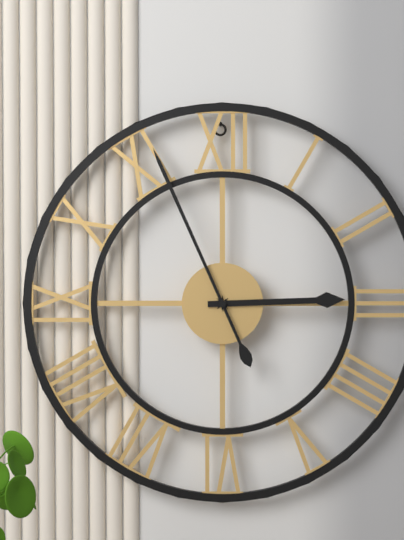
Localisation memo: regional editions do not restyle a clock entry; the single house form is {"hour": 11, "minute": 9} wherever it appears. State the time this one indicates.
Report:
{"hour": 2, "minute": 56}
